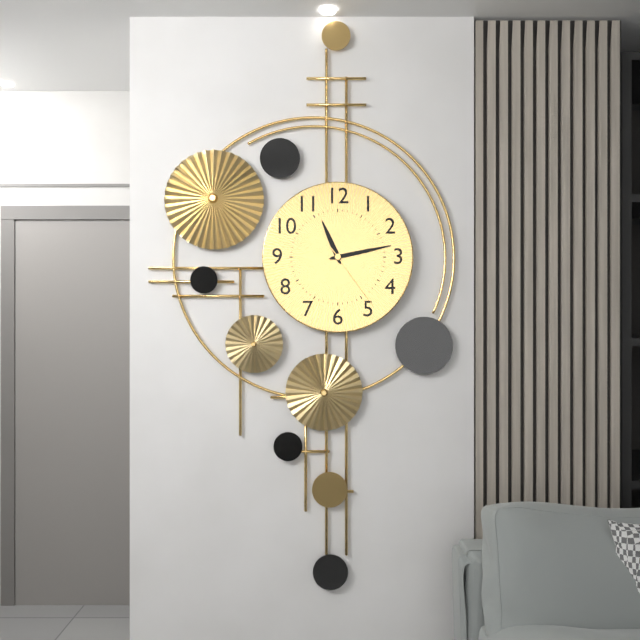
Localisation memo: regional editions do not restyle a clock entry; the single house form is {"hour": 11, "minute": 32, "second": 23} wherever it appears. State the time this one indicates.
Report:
{"hour": 11, "minute": 13, "second": 24}
